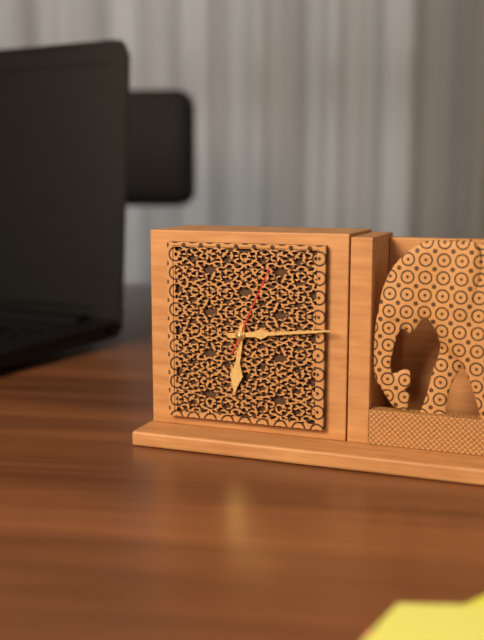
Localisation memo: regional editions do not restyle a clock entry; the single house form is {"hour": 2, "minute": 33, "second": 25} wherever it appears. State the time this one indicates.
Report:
{"hour": 6, "minute": 14, "second": 4}
